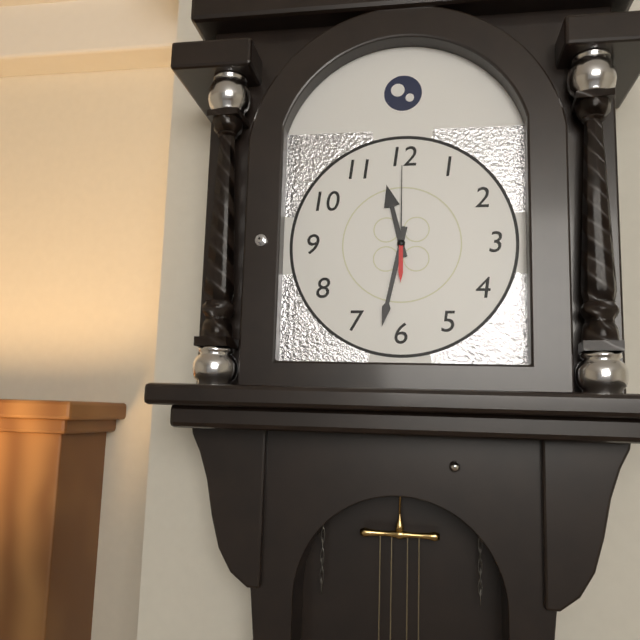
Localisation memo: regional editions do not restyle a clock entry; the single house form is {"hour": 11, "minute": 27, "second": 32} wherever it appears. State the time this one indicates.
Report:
{"hour": 11, "minute": 32, "second": 0}
